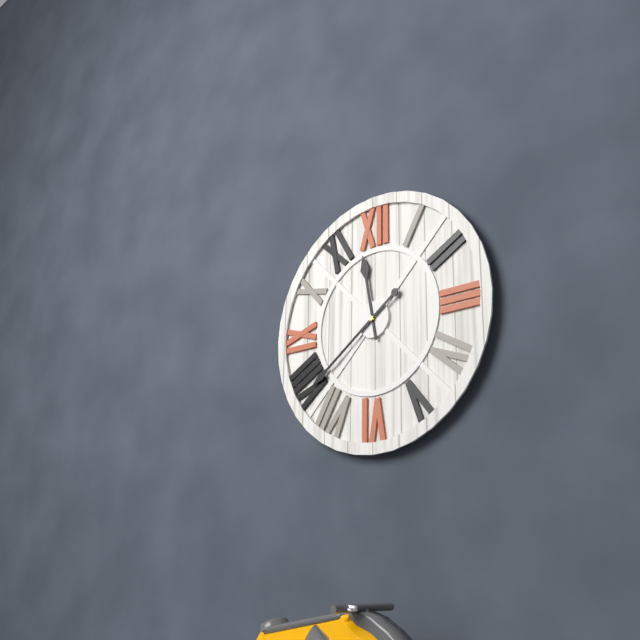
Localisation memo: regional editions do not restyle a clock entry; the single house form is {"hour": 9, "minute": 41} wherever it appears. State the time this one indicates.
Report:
{"hour": 11, "minute": 39}
